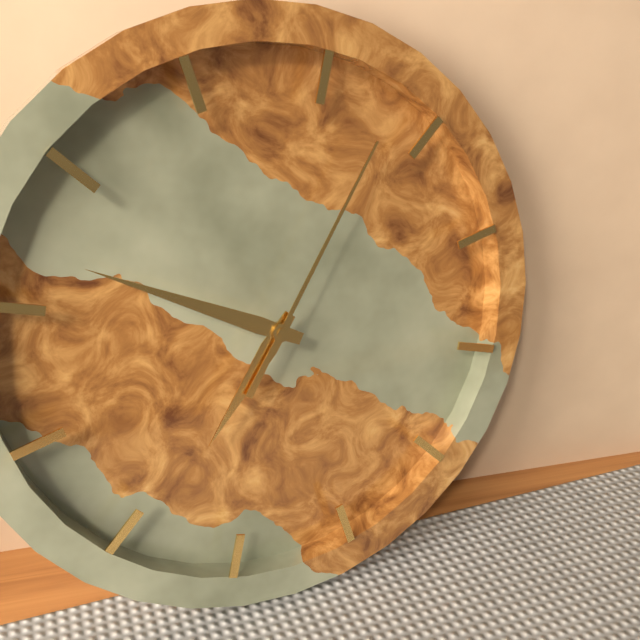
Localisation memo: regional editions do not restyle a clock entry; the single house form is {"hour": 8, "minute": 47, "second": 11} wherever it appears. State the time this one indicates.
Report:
{"hour": 6, "minute": 47, "second": 3}
